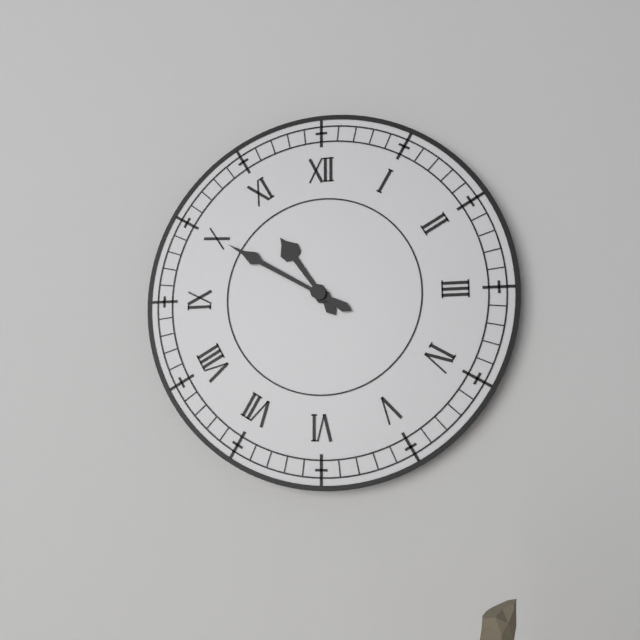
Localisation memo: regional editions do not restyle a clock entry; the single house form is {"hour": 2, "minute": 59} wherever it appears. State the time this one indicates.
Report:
{"hour": 10, "minute": 50}
